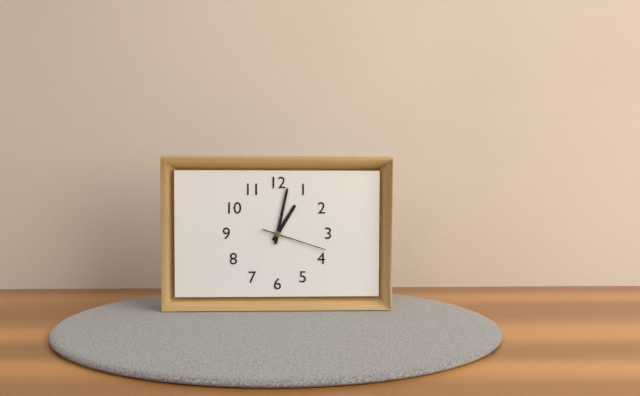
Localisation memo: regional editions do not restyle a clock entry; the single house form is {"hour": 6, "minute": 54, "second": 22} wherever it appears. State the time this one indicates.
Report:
{"hour": 1, "minute": 2, "second": 18}
